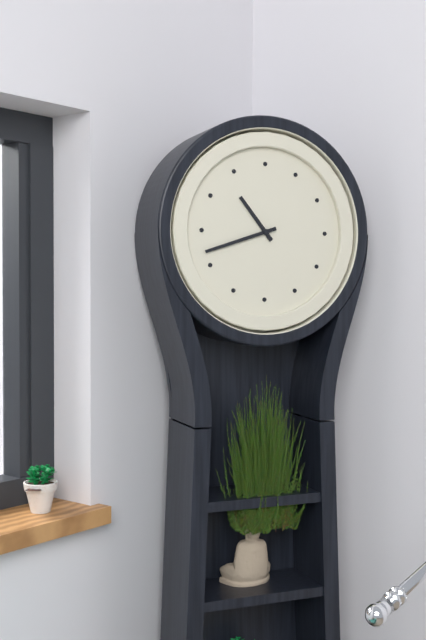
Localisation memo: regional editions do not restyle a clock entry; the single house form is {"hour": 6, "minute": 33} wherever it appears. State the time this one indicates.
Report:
{"hour": 10, "minute": 42}
